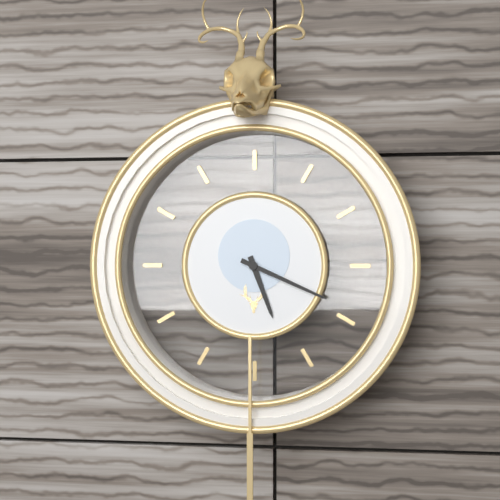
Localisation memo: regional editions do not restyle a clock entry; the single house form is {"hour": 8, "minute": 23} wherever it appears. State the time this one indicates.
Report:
{"hour": 5, "minute": 19}
